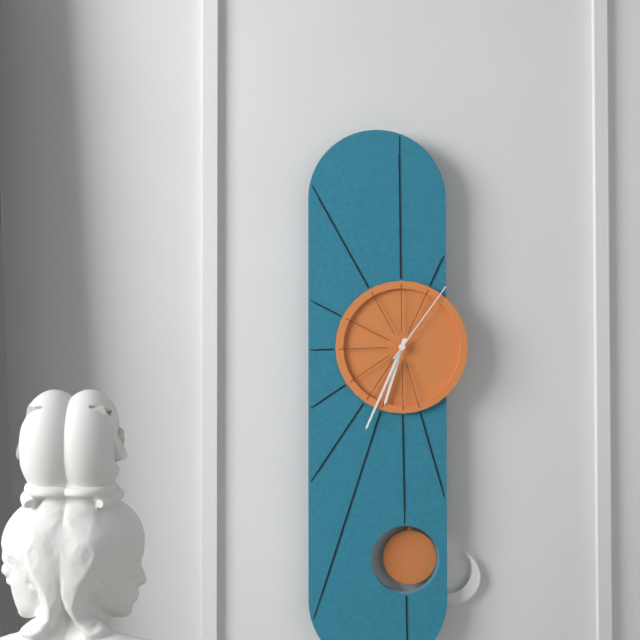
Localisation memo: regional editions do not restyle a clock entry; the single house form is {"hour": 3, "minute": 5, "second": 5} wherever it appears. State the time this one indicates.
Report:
{"hour": 6, "minute": 34, "second": 6}
